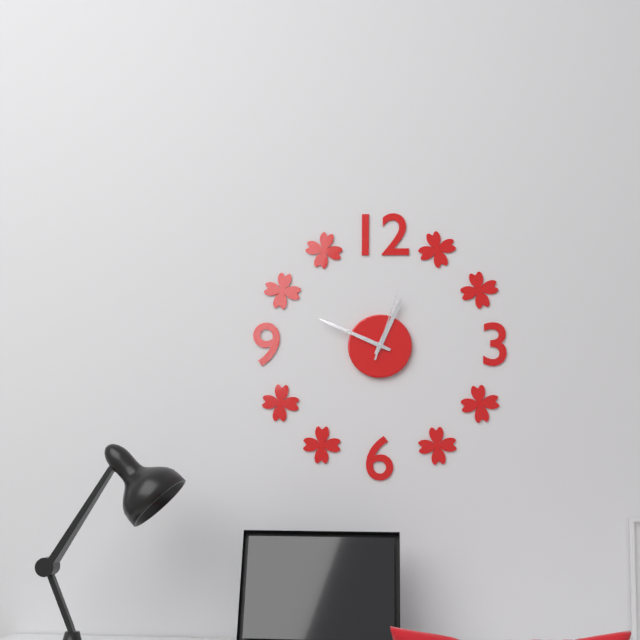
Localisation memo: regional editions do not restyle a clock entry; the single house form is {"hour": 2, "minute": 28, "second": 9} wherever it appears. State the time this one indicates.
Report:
{"hour": 12, "minute": 49, "second": 3}
